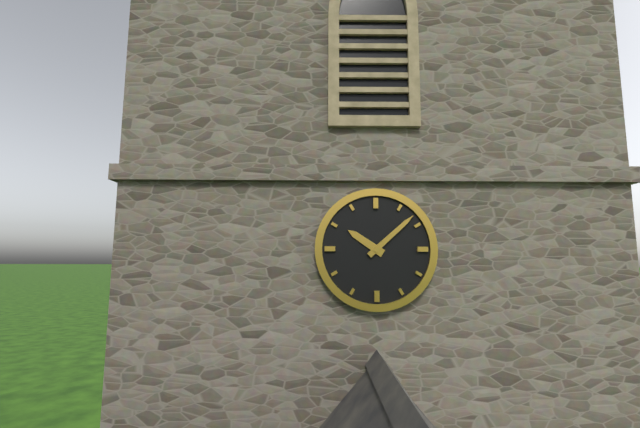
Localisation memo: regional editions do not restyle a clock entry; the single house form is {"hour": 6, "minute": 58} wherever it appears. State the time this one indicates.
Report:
{"hour": 10, "minute": 8}
